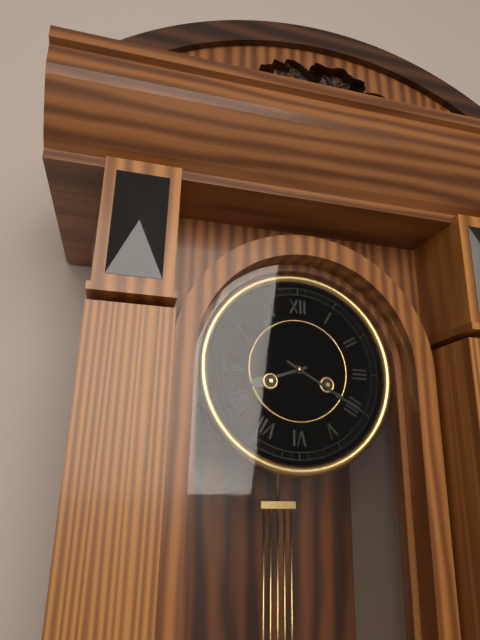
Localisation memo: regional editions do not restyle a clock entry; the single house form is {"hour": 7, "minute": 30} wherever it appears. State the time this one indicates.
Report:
{"hour": 8, "minute": 20}
